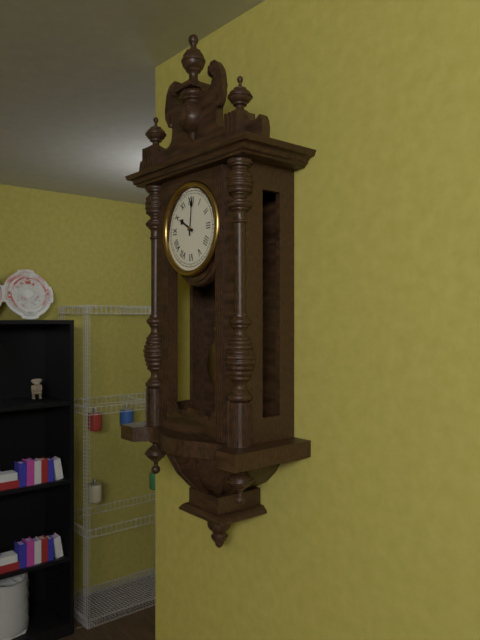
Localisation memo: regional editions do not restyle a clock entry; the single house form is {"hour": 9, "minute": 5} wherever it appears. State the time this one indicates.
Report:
{"hour": 10, "minute": 1}
